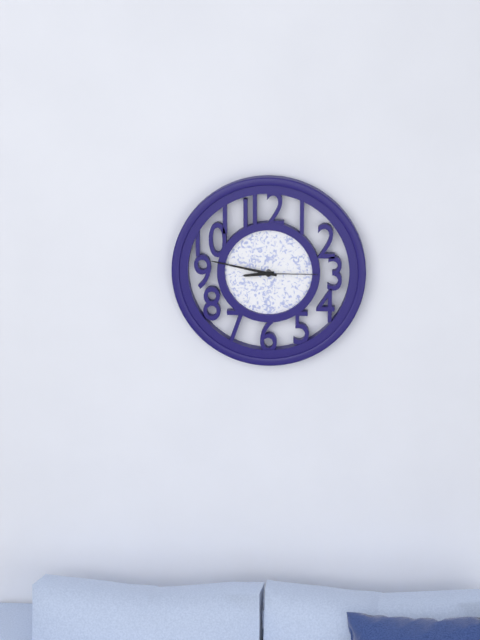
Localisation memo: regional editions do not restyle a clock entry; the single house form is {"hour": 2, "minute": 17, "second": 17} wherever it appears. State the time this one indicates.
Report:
{"hour": 8, "minute": 47, "second": 15}
